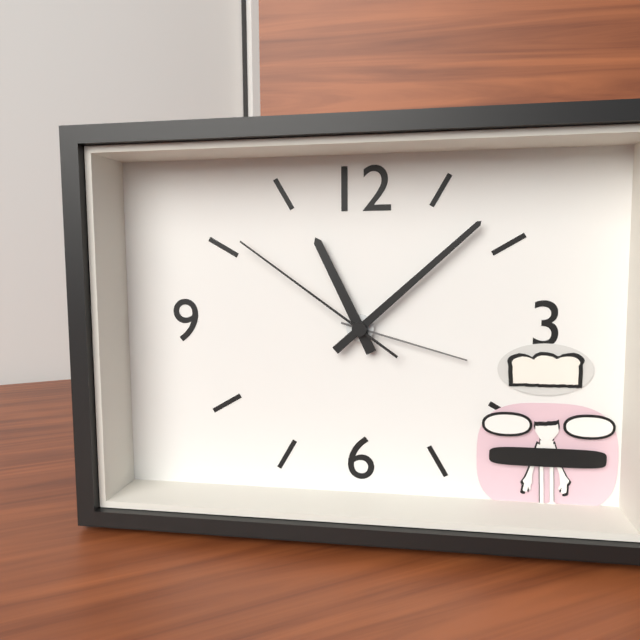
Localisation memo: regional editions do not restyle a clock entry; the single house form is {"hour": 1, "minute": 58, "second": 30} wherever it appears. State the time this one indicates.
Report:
{"hour": 11, "minute": 8, "second": 51}
